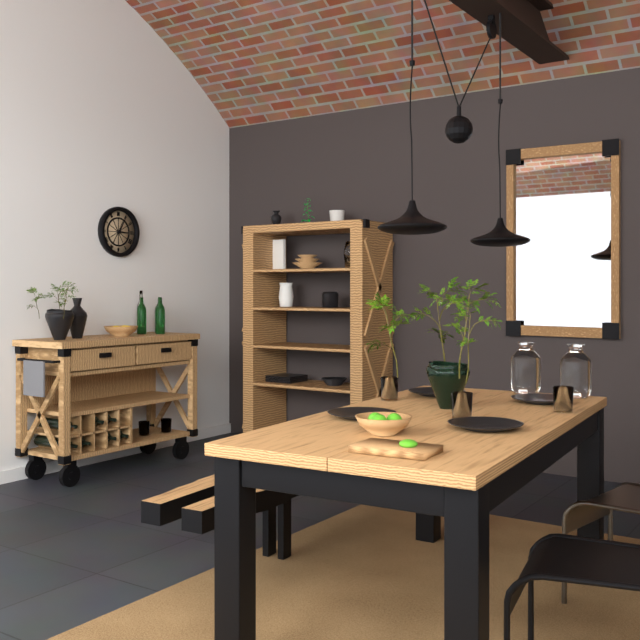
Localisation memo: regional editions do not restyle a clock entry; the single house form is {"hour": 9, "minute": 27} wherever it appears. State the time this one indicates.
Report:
{"hour": 3, "minute": 5}
